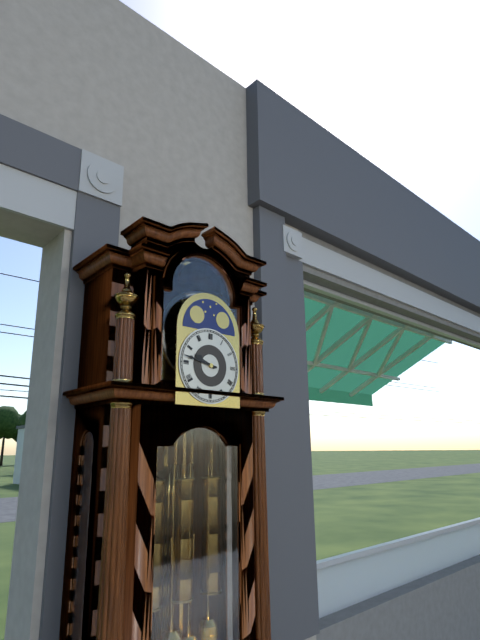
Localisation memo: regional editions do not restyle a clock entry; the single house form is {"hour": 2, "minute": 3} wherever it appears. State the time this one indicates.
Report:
{"hour": 9, "minute": 47}
